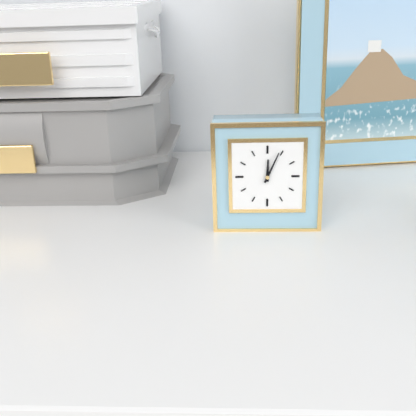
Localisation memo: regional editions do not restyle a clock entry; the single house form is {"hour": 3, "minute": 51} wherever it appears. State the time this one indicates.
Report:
{"hour": 12, "minute": 4}
